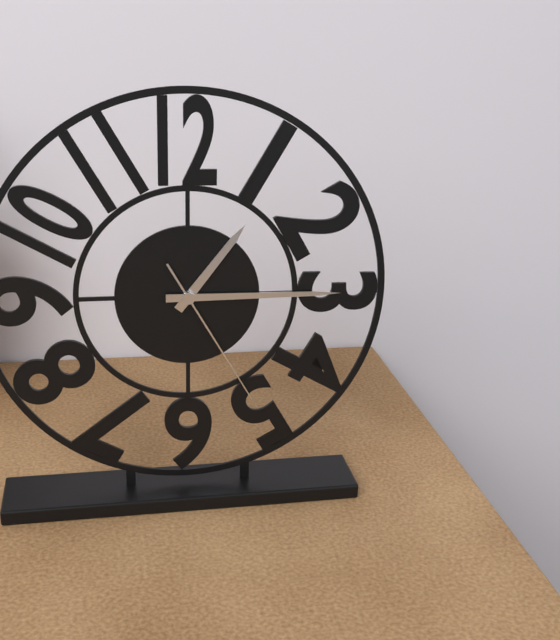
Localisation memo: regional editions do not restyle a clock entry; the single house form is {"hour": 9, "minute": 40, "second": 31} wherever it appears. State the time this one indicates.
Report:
{"hour": 1, "minute": 15, "second": 25}
